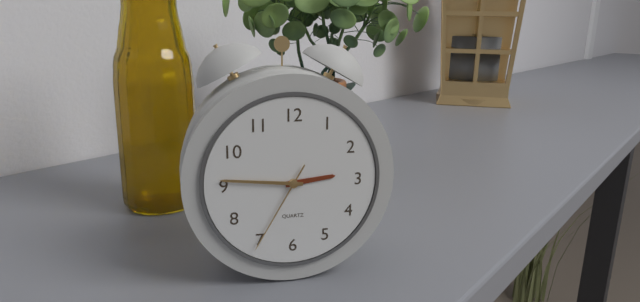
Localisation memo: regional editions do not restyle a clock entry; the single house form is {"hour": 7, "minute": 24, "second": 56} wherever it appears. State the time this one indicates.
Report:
{"hour": 2, "minute": 46, "second": 35}
